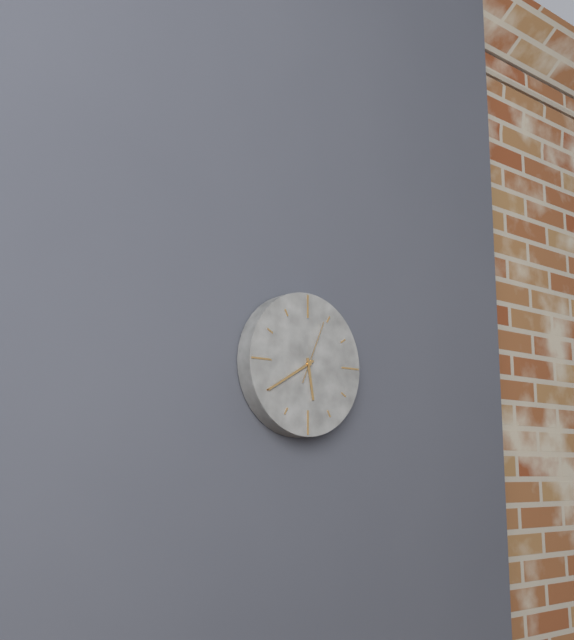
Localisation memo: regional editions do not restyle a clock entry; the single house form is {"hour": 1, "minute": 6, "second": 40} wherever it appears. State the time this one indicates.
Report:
{"hour": 5, "minute": 40, "second": 4}
